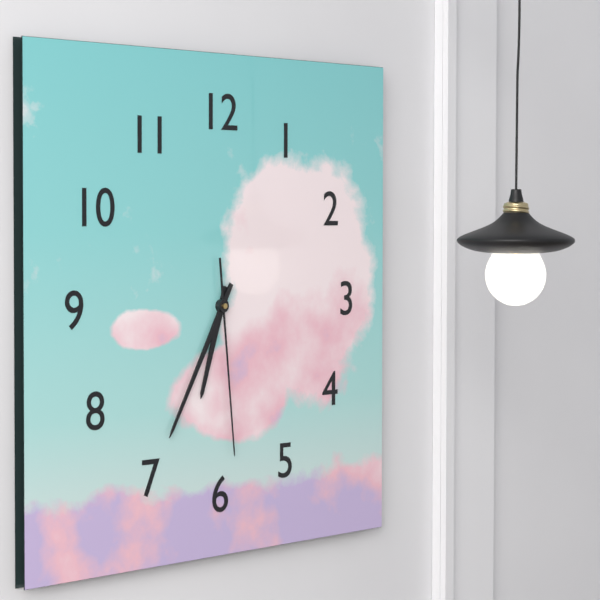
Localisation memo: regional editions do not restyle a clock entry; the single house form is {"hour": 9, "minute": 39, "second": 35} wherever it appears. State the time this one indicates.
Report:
{"hour": 6, "minute": 35, "second": 29}
